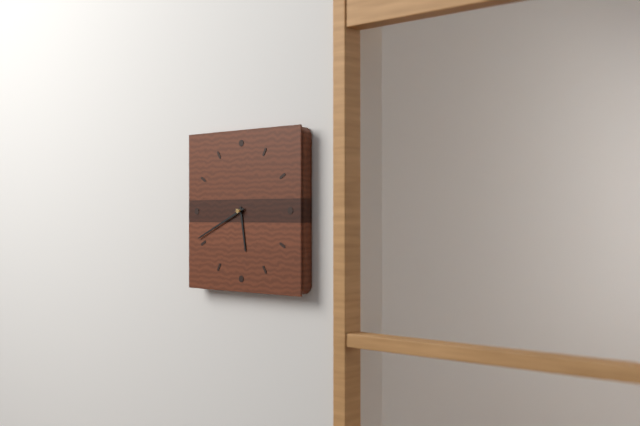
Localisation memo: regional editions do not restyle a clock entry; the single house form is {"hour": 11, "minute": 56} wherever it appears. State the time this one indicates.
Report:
{"hour": 5, "minute": 41}
